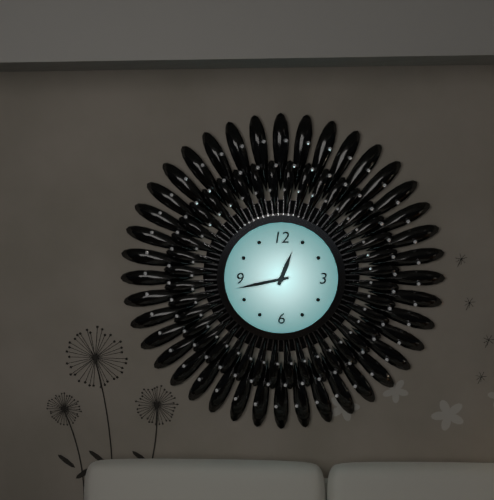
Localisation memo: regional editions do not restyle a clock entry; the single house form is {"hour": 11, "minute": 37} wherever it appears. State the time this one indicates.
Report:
{"hour": 12, "minute": 43}
